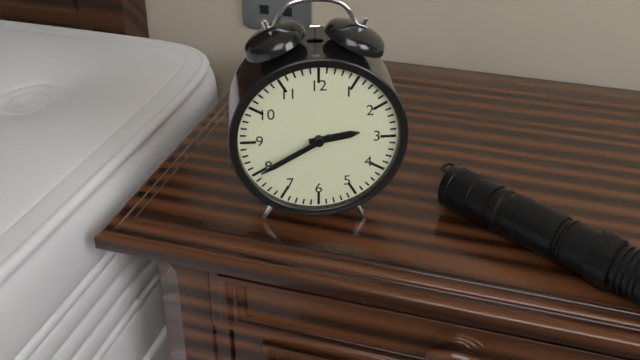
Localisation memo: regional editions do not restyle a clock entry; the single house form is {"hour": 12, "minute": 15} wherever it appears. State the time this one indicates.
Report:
{"hour": 2, "minute": 40}
